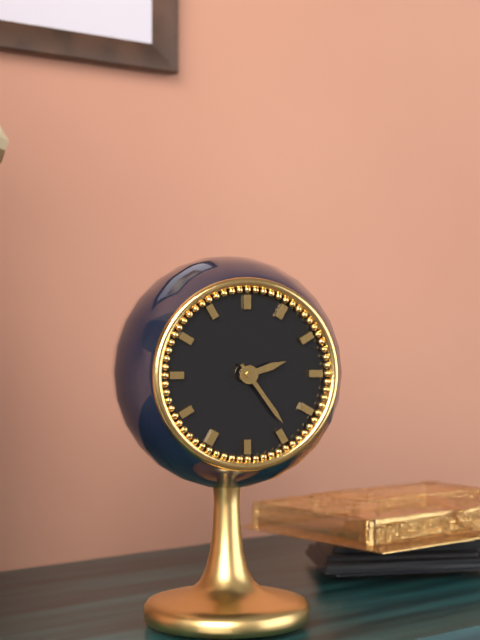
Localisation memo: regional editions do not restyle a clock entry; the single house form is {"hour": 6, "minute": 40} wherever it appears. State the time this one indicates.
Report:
{"hour": 2, "minute": 24}
